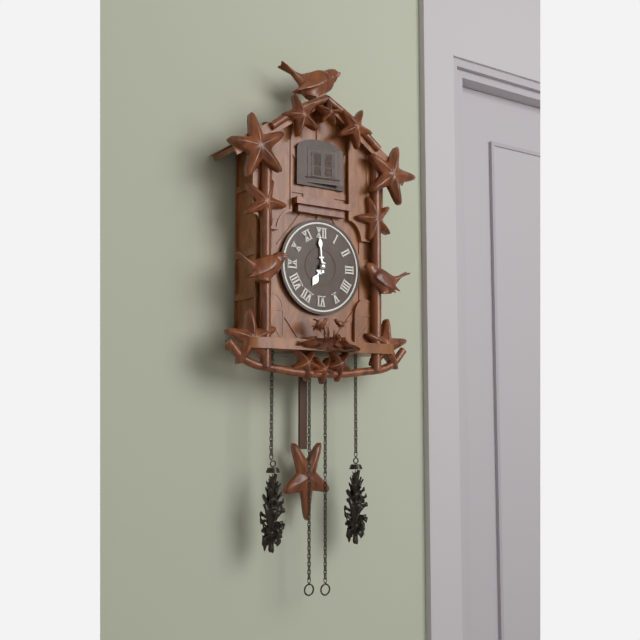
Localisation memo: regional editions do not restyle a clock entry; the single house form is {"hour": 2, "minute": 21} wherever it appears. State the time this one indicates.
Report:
{"hour": 6, "minute": 59}
